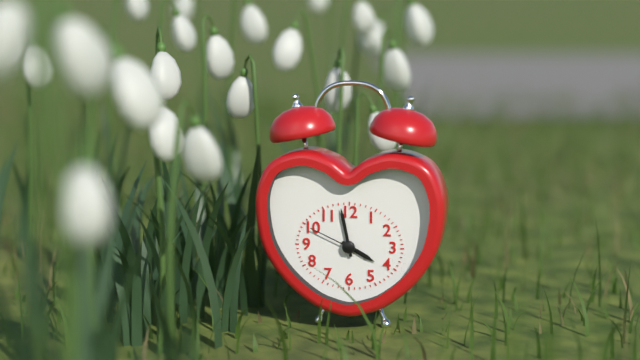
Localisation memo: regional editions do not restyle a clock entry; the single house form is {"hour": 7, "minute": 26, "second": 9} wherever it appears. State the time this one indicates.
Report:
{"hour": 3, "minute": 58, "second": 49}
